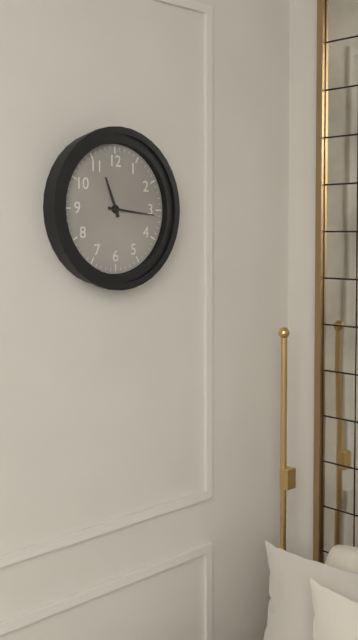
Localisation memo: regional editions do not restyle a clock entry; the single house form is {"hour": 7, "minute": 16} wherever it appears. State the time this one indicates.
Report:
{"hour": 11, "minute": 16}
